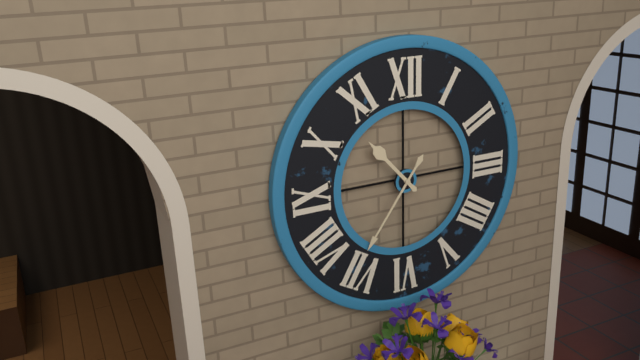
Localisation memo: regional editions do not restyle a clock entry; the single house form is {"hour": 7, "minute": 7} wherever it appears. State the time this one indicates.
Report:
{"hour": 10, "minute": 36}
